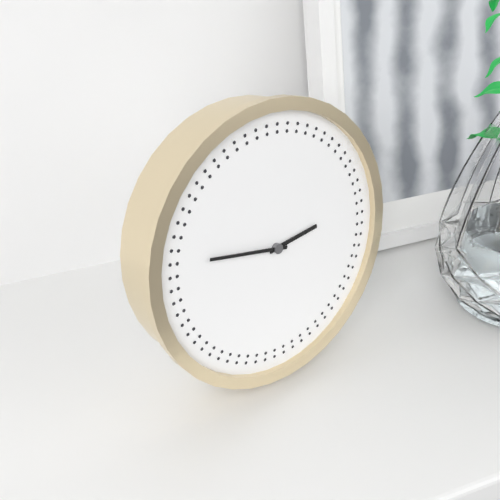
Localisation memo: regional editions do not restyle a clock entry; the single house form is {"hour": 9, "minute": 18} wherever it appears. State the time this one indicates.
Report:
{"hour": 2, "minute": 47}
